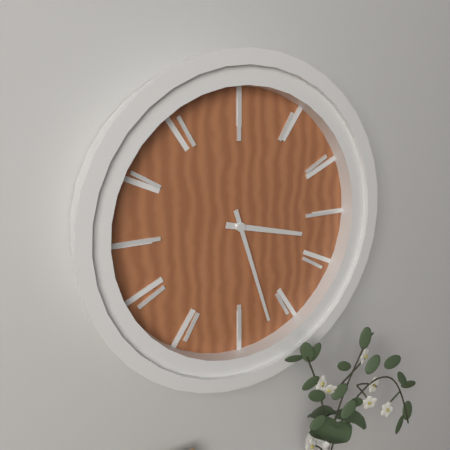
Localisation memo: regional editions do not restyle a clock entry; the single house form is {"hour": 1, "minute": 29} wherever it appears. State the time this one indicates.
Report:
{"hour": 3, "minute": 27}
